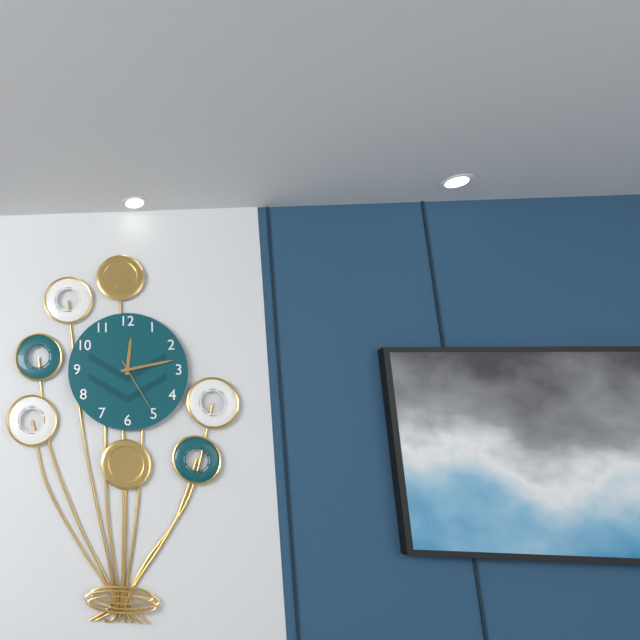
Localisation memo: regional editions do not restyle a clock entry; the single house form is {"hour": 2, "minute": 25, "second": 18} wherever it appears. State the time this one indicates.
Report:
{"hour": 12, "minute": 13, "second": 25}
